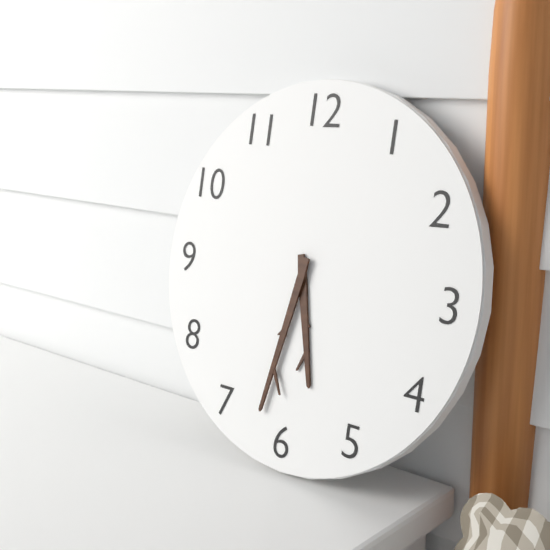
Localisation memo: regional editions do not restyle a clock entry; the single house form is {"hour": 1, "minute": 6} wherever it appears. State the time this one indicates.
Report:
{"hour": 5, "minute": 32}
